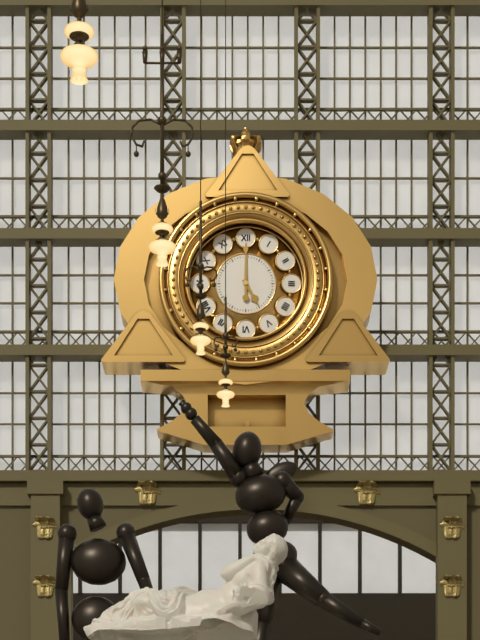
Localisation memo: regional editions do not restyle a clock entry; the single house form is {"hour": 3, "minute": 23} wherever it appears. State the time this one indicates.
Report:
{"hour": 5, "minute": 0}
